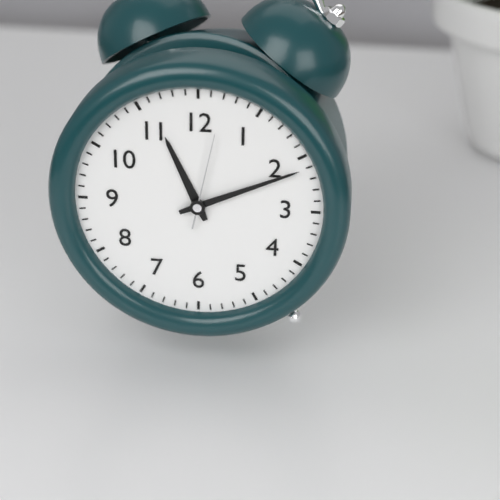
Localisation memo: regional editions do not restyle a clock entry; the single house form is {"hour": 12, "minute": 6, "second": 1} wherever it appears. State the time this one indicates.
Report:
{"hour": 11, "minute": 11, "second": 2}
